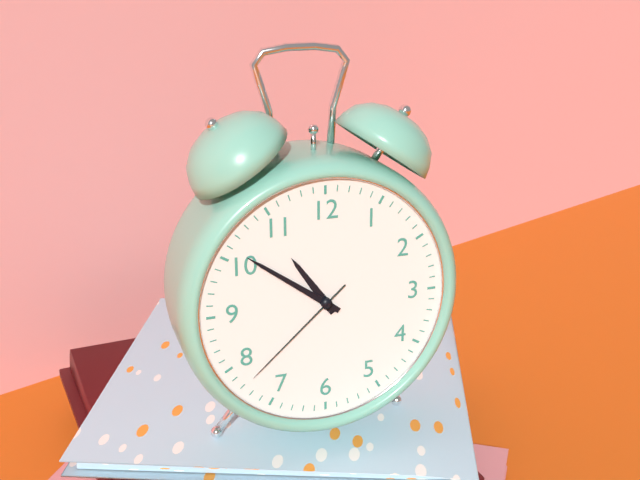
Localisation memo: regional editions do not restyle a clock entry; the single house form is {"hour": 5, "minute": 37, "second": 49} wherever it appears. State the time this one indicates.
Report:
{"hour": 10, "minute": 51, "second": 38}
